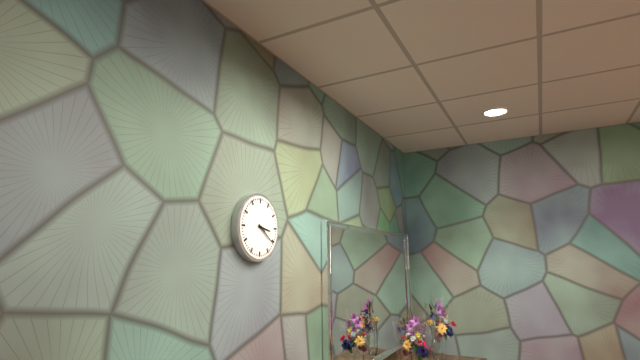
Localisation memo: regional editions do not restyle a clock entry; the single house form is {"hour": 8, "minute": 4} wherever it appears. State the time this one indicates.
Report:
{"hour": 3, "minute": 21}
